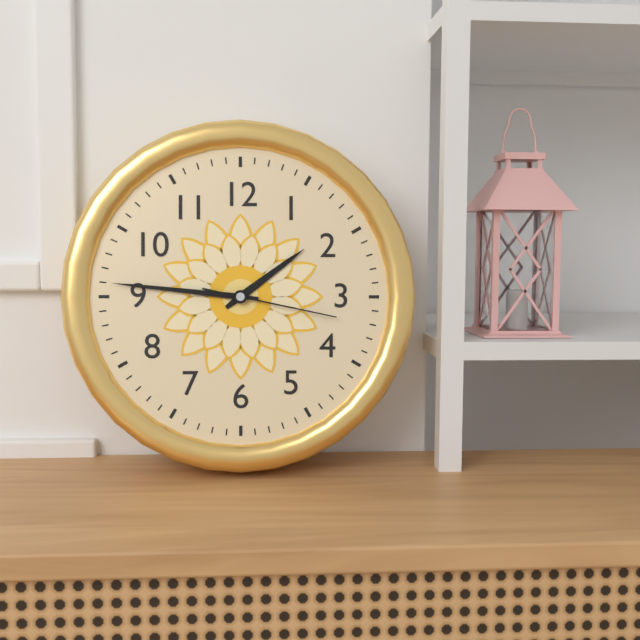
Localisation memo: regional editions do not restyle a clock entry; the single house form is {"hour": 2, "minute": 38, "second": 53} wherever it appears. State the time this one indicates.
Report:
{"hour": 1, "minute": 46, "second": 17}
